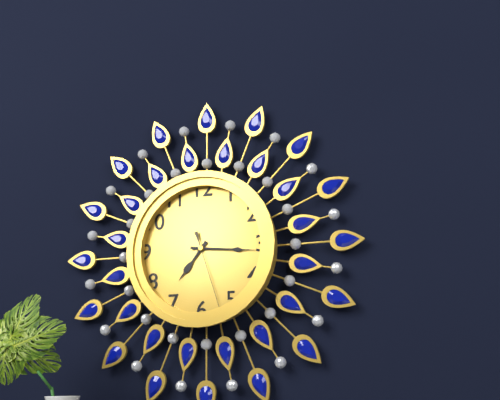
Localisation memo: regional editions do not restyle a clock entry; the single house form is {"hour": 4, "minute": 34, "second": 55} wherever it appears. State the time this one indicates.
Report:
{"hour": 7, "minute": 16, "second": 27}
